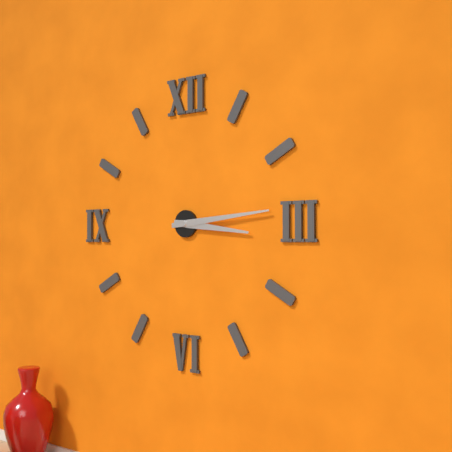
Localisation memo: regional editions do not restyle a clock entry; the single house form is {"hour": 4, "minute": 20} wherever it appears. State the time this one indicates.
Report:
{"hour": 3, "minute": 14}
